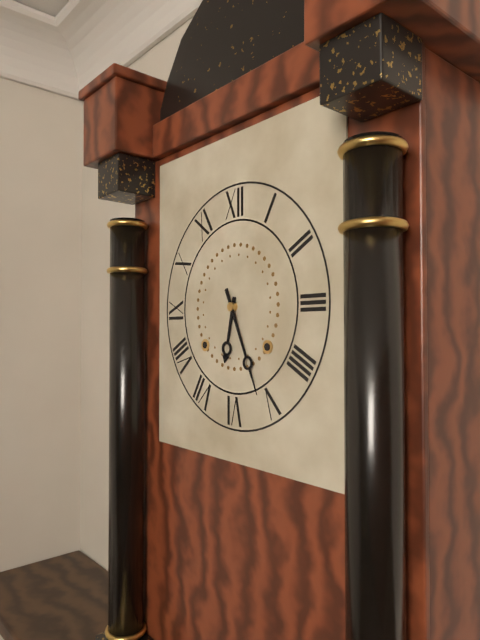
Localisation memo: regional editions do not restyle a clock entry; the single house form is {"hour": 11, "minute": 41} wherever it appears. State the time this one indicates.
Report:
{"hour": 6, "minute": 26}
